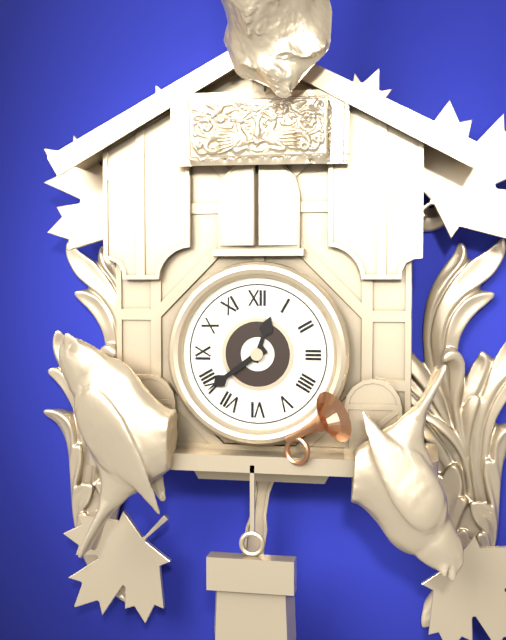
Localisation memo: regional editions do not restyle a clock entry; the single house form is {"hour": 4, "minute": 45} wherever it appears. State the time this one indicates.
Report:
{"hour": 12, "minute": 39}
